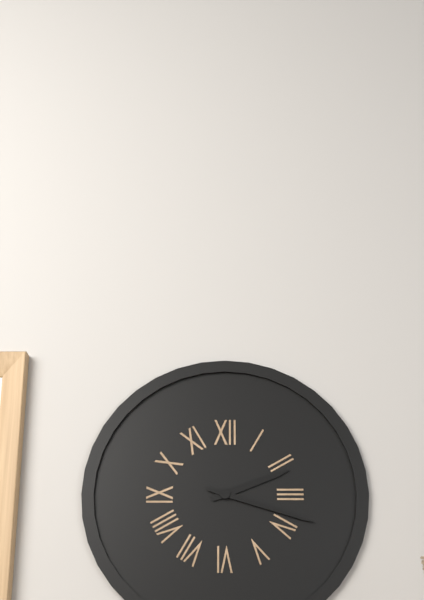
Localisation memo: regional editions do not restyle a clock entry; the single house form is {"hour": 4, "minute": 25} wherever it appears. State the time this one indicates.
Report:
{"hour": 2, "minute": 18}
